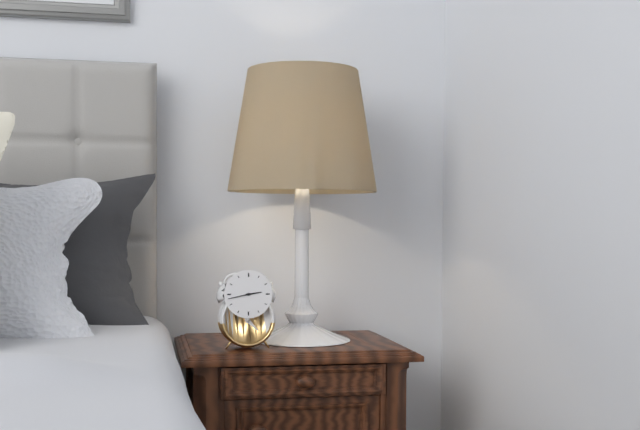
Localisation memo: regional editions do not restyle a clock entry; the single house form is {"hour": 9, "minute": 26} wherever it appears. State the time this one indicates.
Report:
{"hour": 2, "minute": 43}
